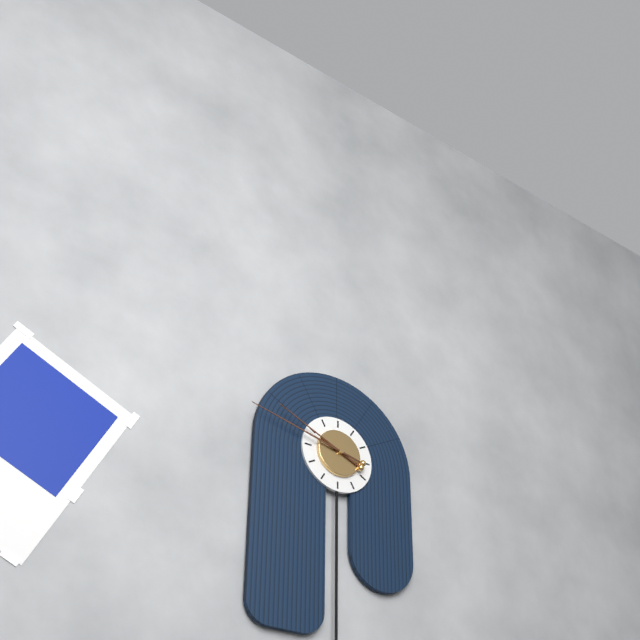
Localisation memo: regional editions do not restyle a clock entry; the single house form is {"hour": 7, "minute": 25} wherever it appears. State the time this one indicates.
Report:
{"hour": 9, "minute": 47}
